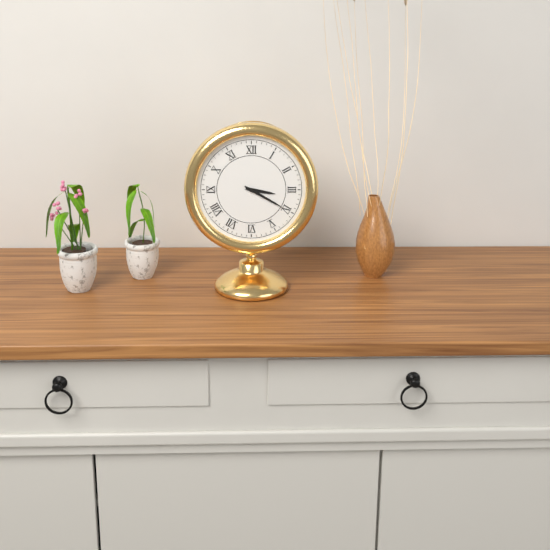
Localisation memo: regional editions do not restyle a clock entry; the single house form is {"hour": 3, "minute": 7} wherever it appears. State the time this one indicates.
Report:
{"hour": 3, "minute": 20}
